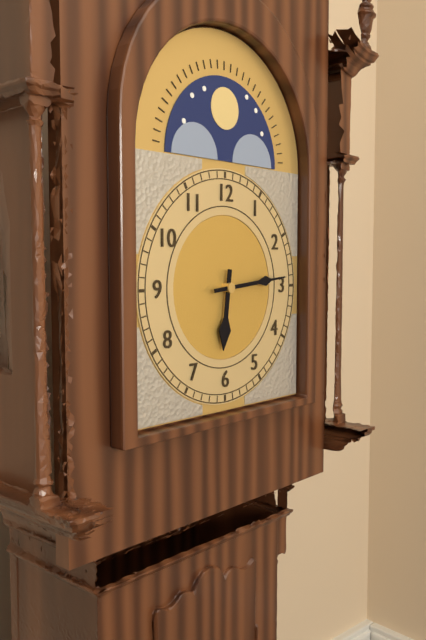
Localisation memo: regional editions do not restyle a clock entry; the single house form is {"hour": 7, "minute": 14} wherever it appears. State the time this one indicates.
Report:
{"hour": 6, "minute": 14}
